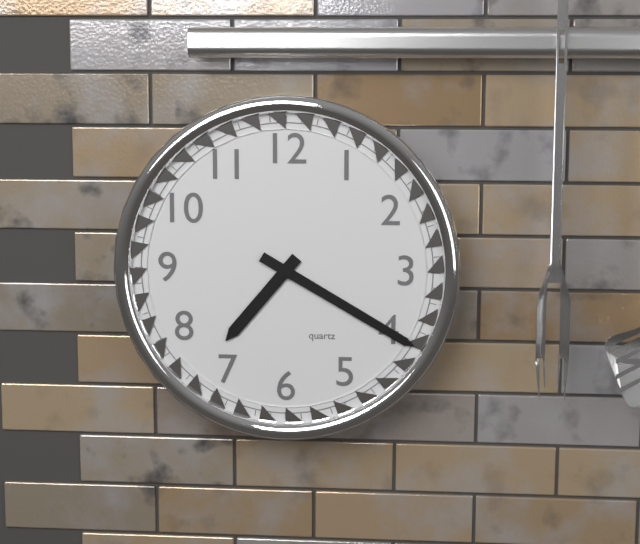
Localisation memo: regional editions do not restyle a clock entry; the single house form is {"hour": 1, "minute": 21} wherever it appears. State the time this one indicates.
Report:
{"hour": 7, "minute": 20}
